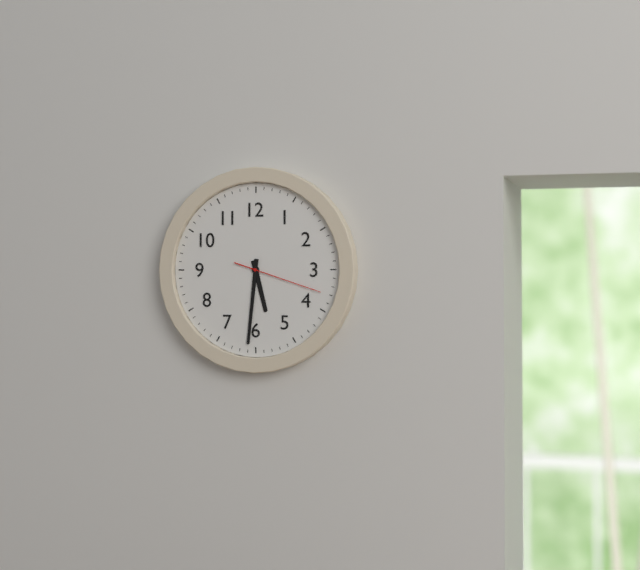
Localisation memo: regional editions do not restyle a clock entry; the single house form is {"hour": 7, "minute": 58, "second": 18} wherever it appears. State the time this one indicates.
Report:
{"hour": 5, "minute": 31, "second": 18}
